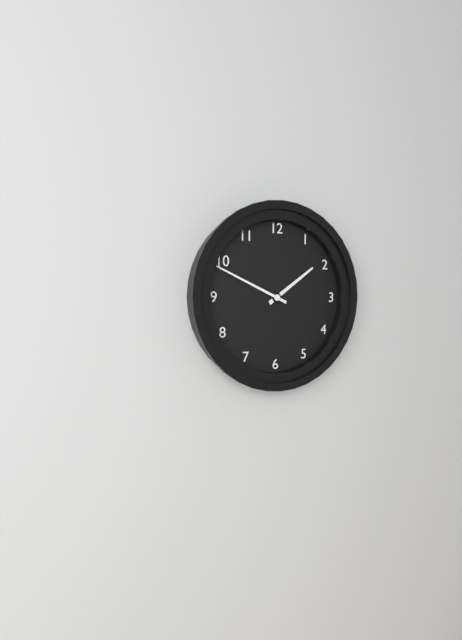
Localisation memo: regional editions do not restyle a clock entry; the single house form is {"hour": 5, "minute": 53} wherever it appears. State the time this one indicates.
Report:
{"hour": 1, "minute": 49}
